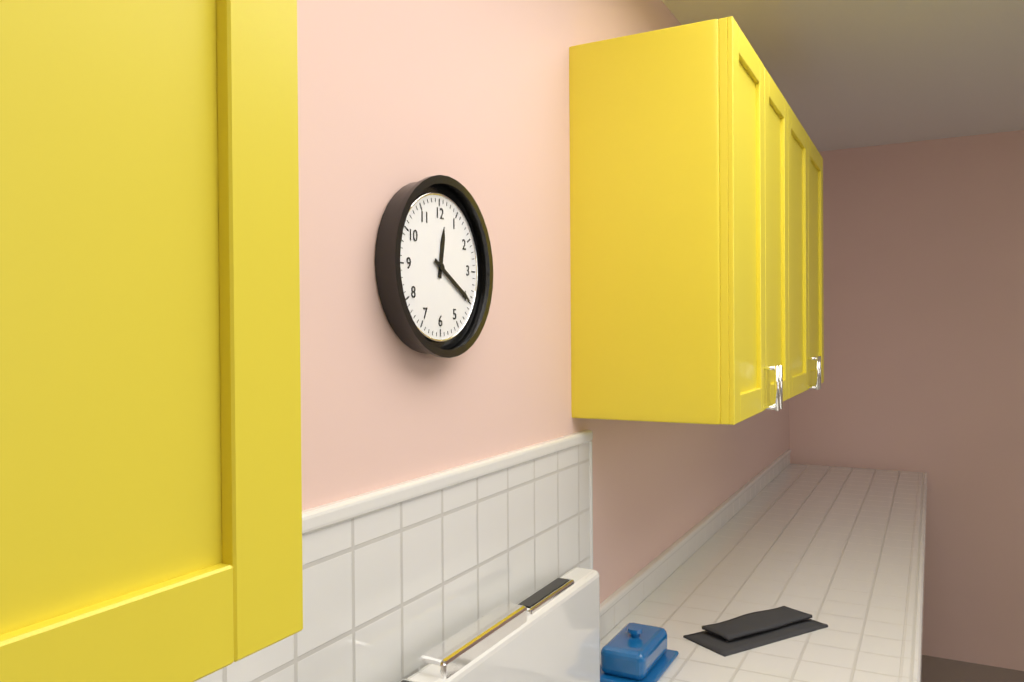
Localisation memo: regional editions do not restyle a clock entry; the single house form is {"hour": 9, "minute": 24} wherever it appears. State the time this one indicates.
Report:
{"hour": 12, "minute": 20}
